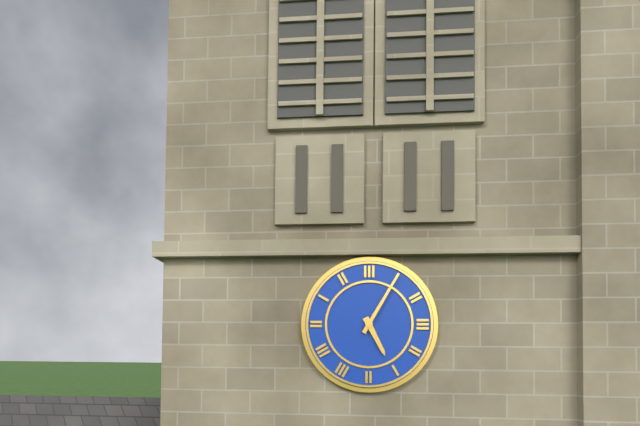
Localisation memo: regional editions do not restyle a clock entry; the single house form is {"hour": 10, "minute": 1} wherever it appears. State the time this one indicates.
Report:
{"hour": 5, "minute": 5}
